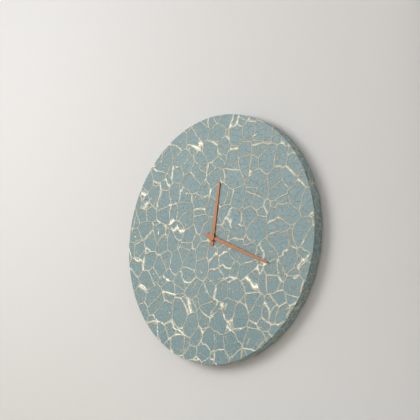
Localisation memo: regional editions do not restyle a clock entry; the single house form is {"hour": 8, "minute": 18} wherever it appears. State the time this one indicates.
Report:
{"hour": 12, "minute": 19}
